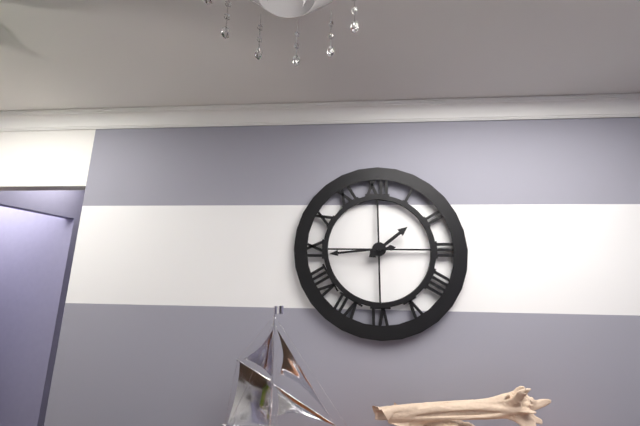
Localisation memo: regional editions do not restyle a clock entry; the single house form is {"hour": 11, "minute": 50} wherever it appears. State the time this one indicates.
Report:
{"hour": 1, "minute": 44}
